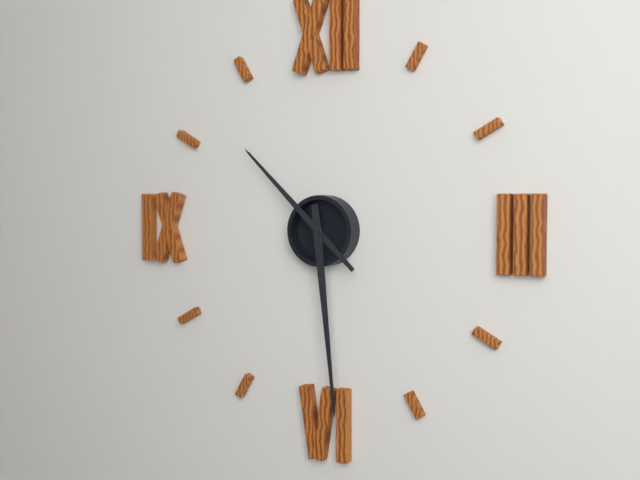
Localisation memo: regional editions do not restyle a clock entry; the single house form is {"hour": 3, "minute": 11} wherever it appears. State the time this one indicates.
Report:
{"hour": 10, "minute": 29}
